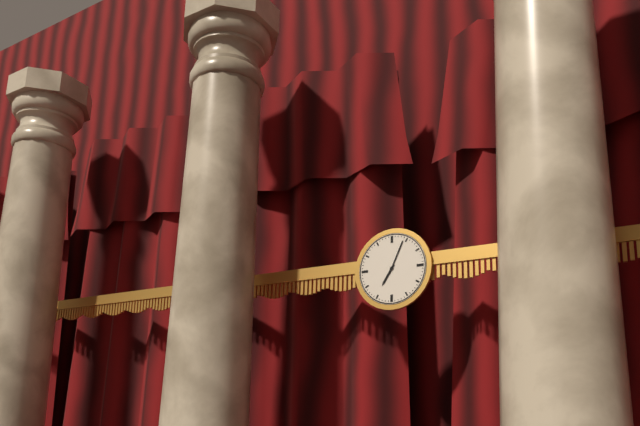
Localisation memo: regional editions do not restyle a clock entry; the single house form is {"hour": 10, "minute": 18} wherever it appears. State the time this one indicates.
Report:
{"hour": 7, "minute": 4}
